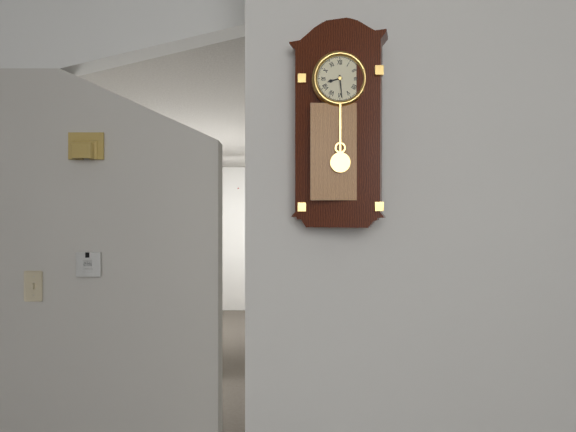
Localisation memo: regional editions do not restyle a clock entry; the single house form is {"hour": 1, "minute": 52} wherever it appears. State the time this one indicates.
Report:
{"hour": 8, "minute": 29}
